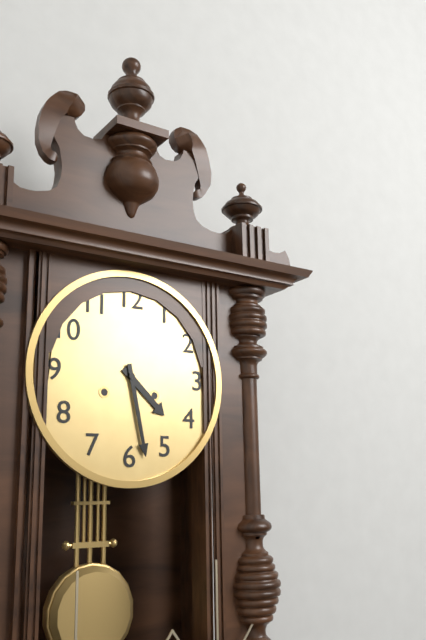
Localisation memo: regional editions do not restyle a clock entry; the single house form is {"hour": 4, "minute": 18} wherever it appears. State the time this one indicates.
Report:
{"hour": 4, "minute": 28}
